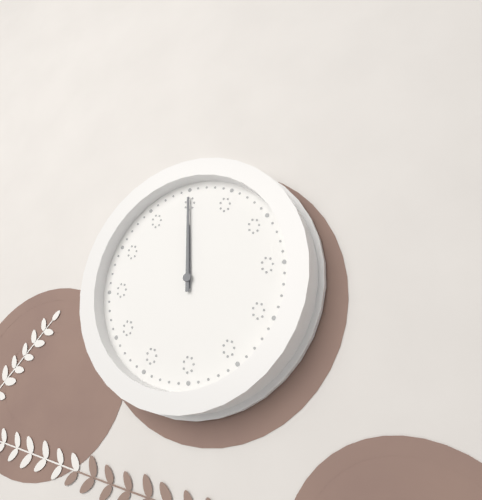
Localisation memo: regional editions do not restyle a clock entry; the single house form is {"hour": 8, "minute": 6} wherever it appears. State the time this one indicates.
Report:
{"hour": 12, "minute": 0}
